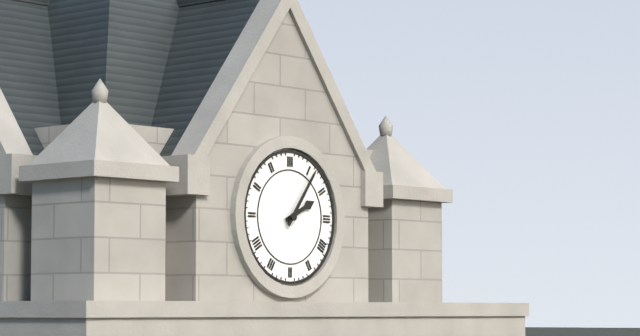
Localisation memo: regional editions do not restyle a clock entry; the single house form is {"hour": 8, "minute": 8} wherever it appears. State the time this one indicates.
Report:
{"hour": 2, "minute": 6}
